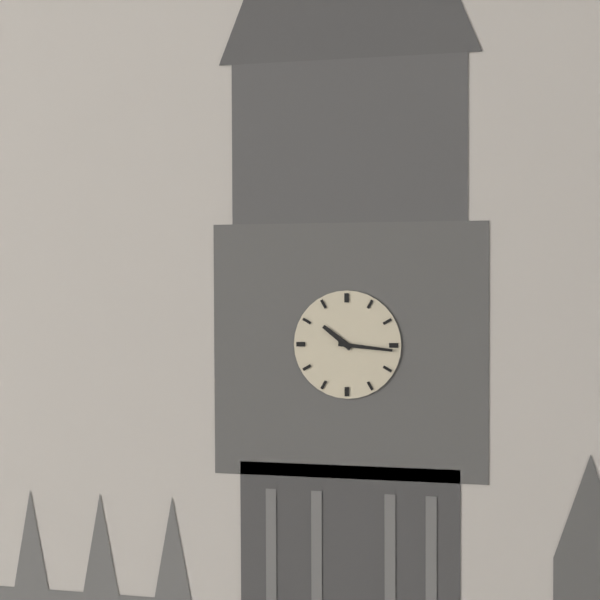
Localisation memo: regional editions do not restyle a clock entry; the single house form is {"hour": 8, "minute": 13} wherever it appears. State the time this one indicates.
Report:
{"hour": 10, "minute": 16}
